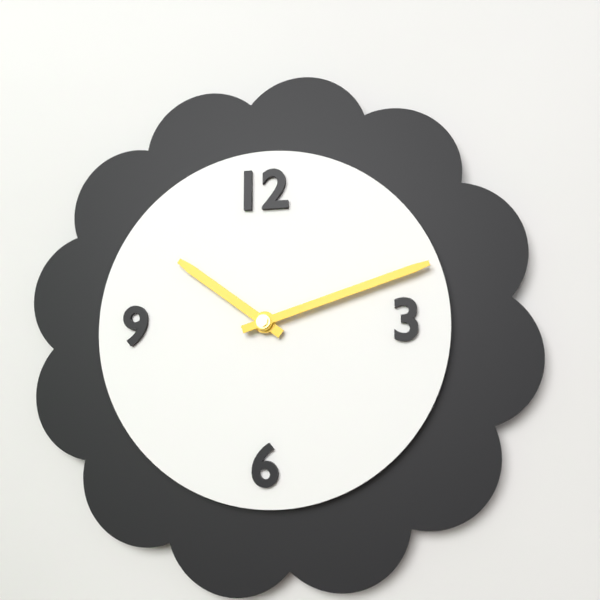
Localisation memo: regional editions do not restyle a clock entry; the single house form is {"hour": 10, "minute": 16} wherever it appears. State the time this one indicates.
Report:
{"hour": 10, "minute": 12}
